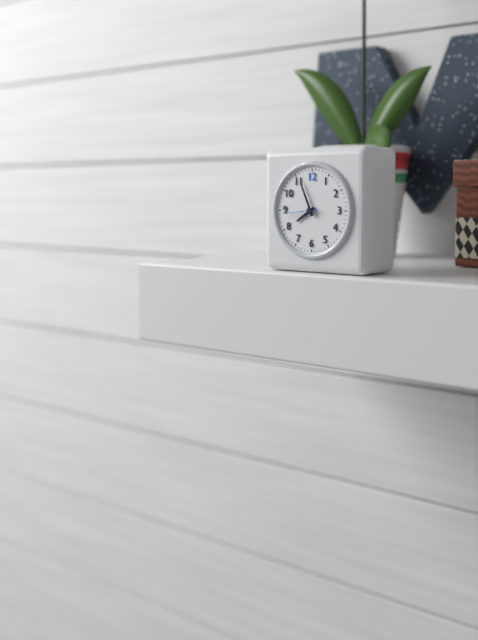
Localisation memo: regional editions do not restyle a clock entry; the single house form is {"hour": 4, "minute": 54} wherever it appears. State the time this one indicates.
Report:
{"hour": 7, "minute": 56}
